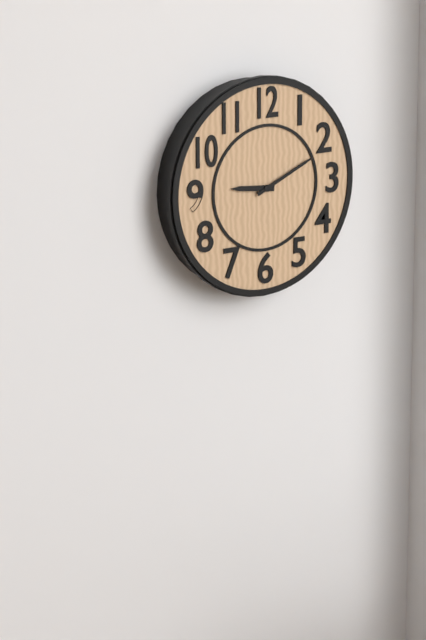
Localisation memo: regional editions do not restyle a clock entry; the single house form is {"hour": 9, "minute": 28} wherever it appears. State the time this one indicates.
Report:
{"hour": 9, "minute": 11}
